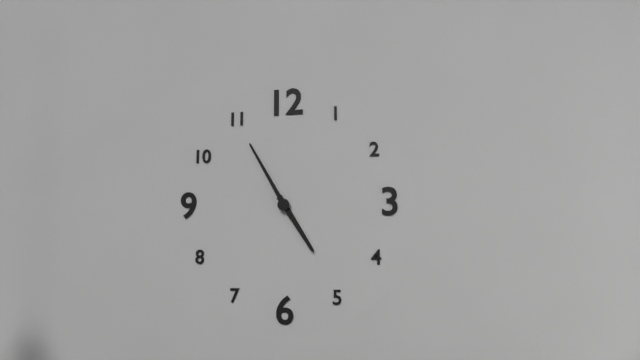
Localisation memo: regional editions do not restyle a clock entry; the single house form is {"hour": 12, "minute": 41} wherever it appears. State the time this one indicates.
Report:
{"hour": 4, "minute": 55}
